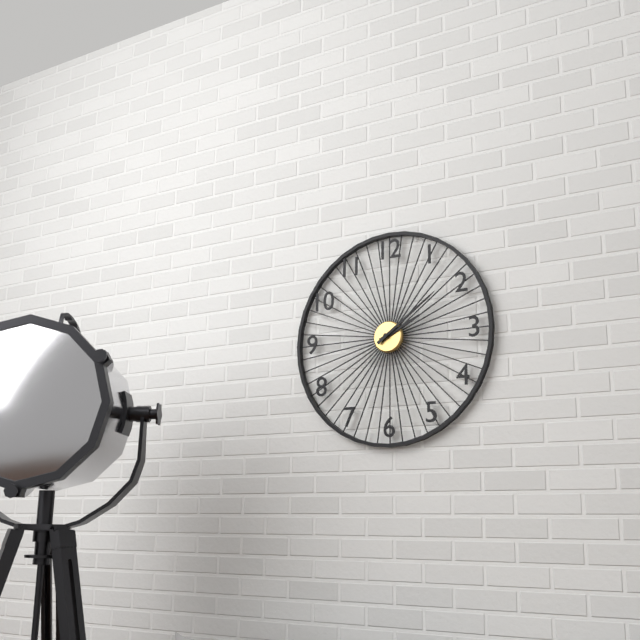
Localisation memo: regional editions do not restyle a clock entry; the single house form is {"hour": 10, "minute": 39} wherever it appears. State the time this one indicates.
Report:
{"hour": 2, "minute": 9}
